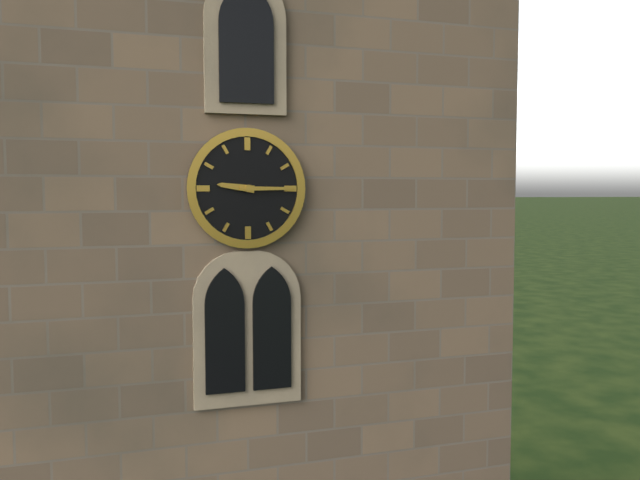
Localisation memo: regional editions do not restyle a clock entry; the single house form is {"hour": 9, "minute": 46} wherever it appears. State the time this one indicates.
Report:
{"hour": 9, "minute": 15}
